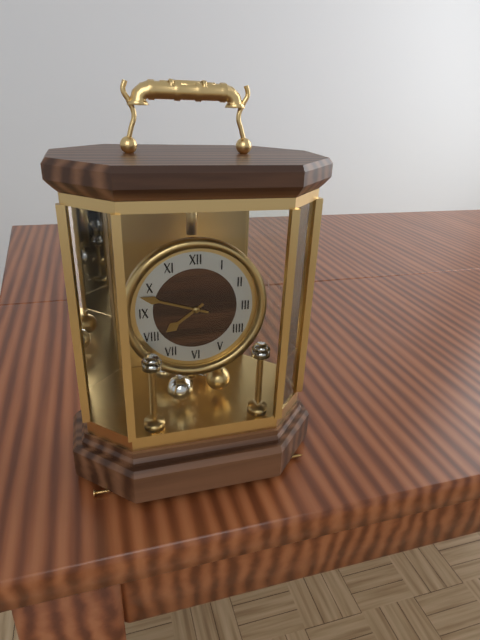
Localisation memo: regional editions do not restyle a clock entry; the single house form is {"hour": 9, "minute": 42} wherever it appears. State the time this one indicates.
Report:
{"hour": 7, "minute": 48}
